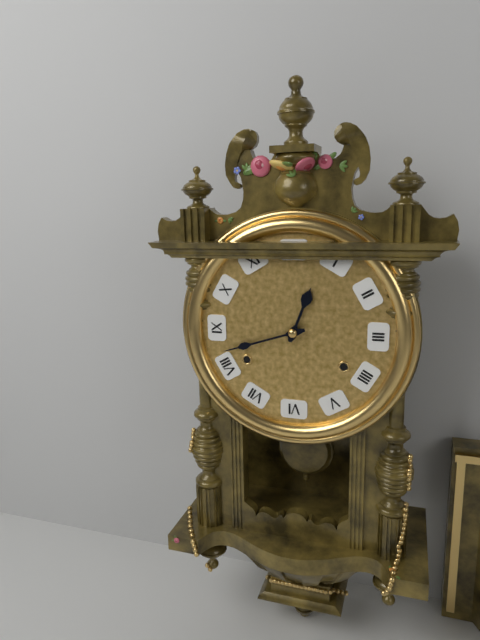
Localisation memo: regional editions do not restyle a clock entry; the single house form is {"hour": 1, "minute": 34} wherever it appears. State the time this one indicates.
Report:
{"hour": 12, "minute": 42}
